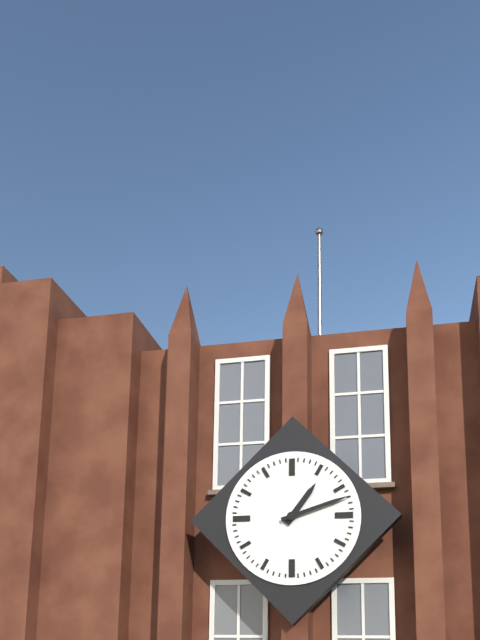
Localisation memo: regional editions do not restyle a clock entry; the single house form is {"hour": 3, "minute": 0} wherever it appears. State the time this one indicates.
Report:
{"hour": 1, "minute": 12}
